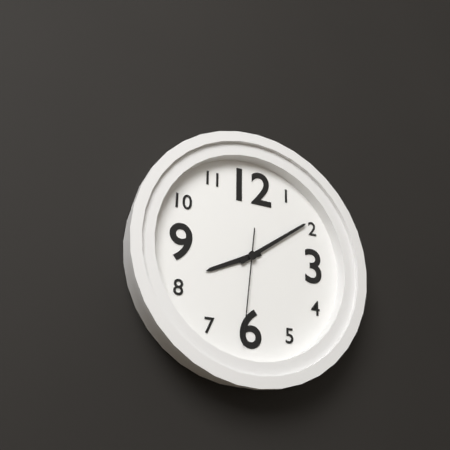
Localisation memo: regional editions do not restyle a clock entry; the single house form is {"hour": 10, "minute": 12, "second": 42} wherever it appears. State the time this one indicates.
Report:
{"hour": 8, "minute": 9, "second": 31}
